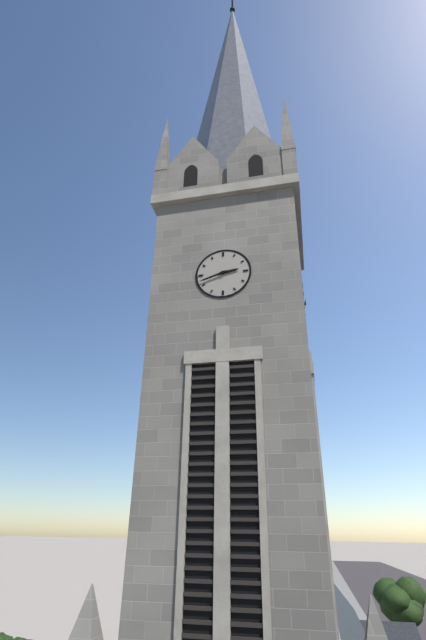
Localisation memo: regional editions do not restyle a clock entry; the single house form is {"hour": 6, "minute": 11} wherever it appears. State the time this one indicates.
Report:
{"hour": 2, "minute": 42}
